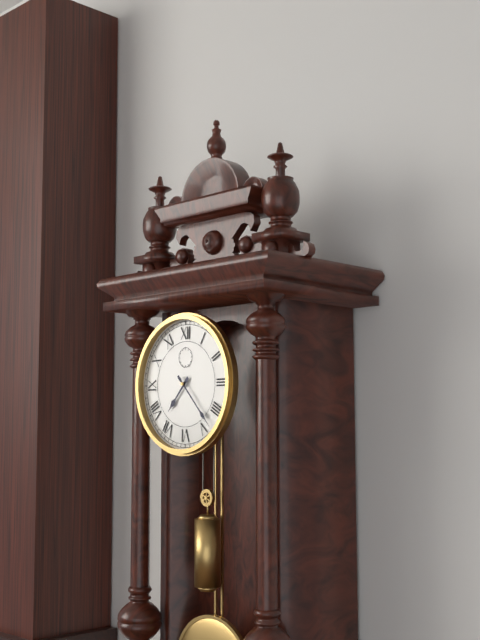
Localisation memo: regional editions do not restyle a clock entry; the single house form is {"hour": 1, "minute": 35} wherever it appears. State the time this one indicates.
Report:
{"hour": 7, "minute": 23}
